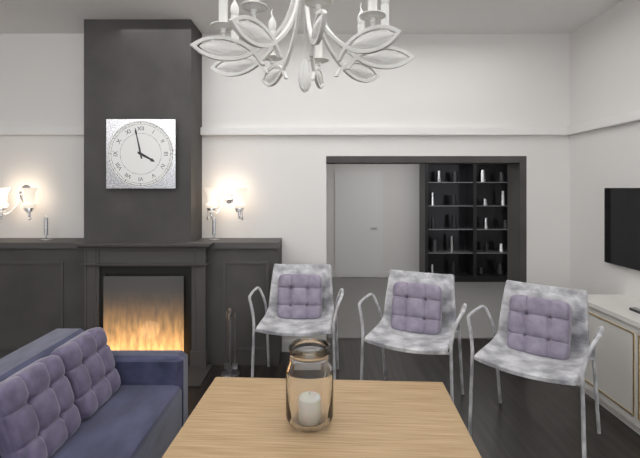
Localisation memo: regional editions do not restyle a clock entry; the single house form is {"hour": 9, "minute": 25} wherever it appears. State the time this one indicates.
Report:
{"hour": 3, "minute": 58}
